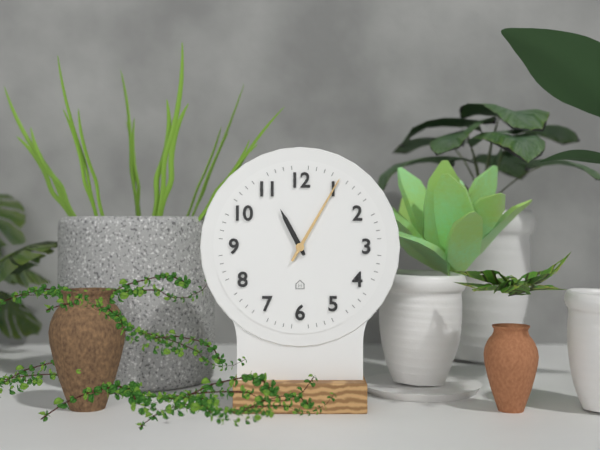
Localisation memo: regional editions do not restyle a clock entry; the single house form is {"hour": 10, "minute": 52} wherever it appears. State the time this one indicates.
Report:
{"hour": 11, "minute": 5}
